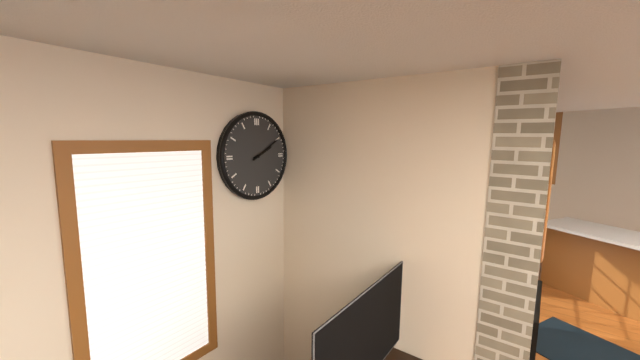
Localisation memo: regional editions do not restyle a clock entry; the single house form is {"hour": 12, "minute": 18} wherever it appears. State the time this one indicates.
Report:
{"hour": 2, "minute": 10}
